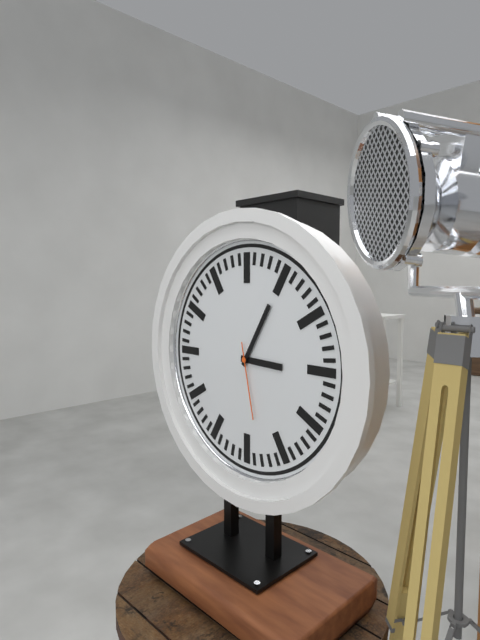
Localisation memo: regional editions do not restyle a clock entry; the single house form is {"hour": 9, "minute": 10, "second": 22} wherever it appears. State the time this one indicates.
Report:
{"hour": 3, "minute": 5, "second": 28}
